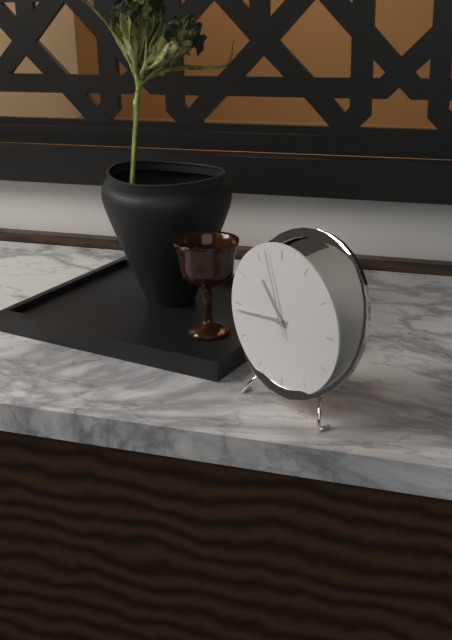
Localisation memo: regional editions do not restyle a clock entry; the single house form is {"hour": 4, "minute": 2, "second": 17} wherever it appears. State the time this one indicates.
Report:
{"hour": 10, "minute": 44, "second": 57}
